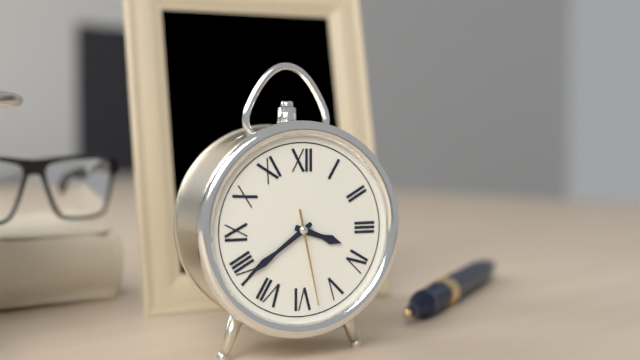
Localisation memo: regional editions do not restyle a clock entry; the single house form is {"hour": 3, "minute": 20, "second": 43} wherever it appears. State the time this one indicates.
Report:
{"hour": 3, "minute": 39, "second": 28}
